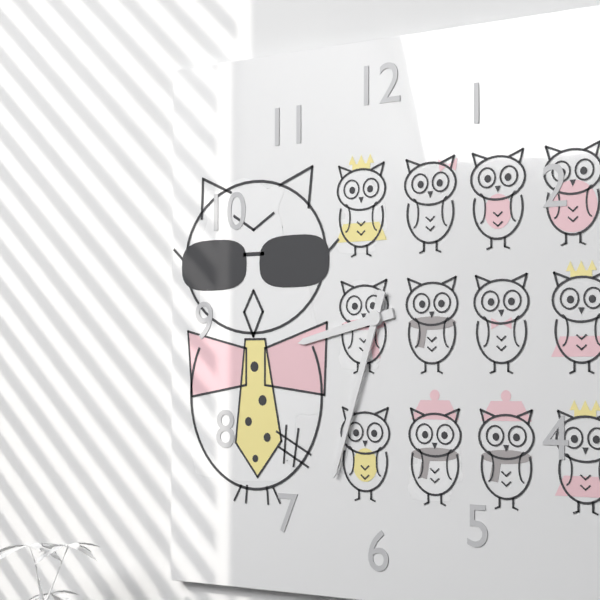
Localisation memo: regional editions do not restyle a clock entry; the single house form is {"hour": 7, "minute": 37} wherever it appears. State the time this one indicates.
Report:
{"hour": 8, "minute": 33}
